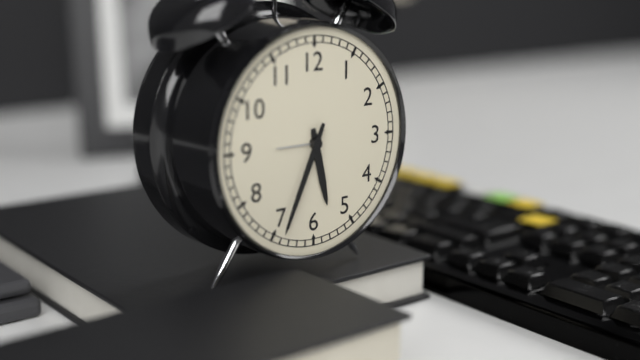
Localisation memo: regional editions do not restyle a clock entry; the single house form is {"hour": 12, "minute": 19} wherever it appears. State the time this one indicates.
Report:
{"hour": 5, "minute": 34}
